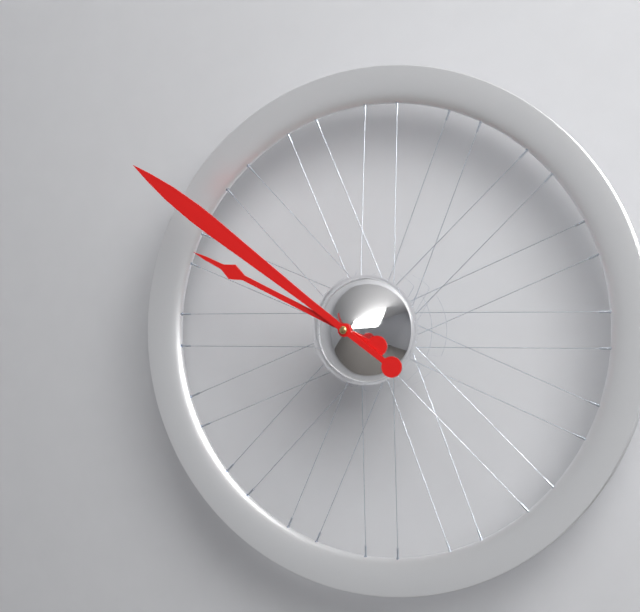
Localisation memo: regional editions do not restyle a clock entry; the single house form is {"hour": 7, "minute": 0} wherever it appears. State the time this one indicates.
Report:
{"hour": 9, "minute": 51}
